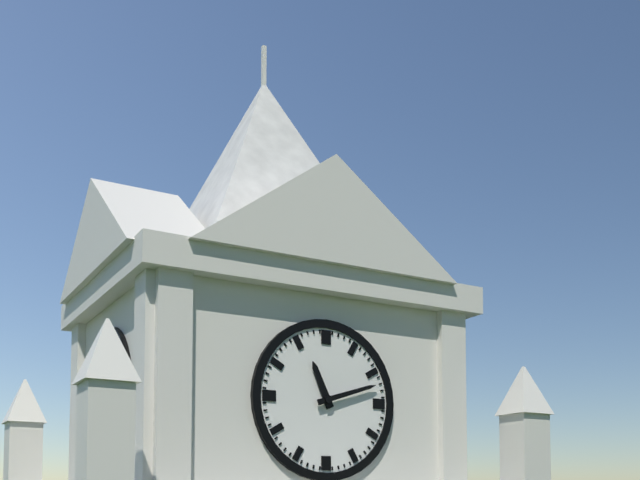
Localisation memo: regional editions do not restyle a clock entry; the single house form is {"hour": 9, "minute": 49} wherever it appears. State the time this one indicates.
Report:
{"hour": 11, "minute": 12}
